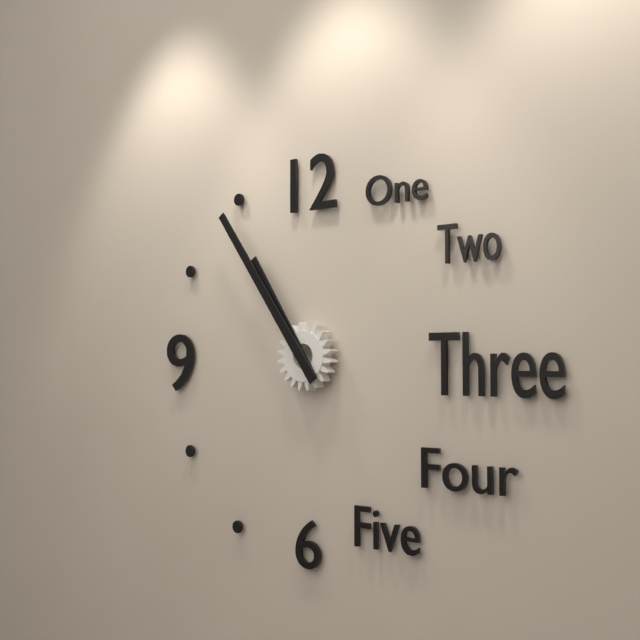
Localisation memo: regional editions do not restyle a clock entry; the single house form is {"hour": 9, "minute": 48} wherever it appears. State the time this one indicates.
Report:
{"hour": 10, "minute": 54}
